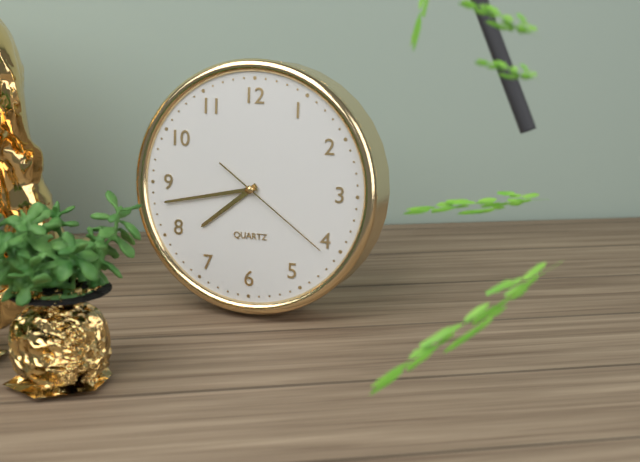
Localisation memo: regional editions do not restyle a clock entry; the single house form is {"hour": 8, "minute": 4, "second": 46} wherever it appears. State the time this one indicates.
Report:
{"hour": 7, "minute": 43, "second": 21}
